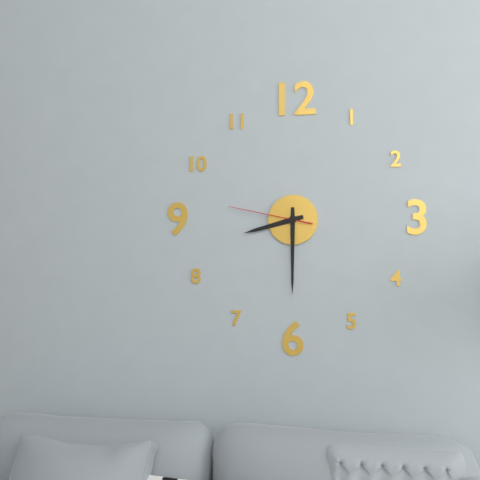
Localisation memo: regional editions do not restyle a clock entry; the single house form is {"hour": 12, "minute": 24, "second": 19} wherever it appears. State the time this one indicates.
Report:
{"hour": 8, "minute": 30, "second": 47}
